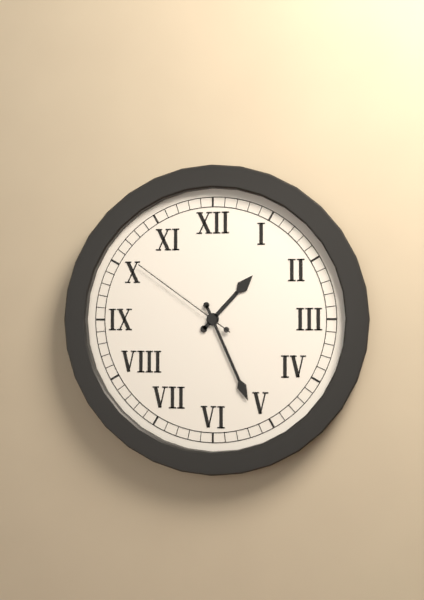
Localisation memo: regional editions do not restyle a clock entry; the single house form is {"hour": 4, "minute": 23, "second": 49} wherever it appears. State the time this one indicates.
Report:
{"hour": 1, "minute": 26, "second": 51}
